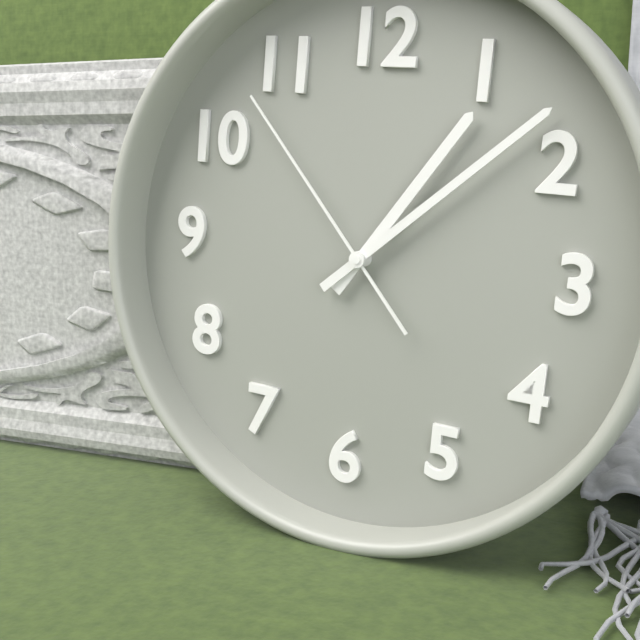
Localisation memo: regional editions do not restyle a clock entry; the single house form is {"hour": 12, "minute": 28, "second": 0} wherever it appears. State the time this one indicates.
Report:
{"hour": 1, "minute": 8, "second": 53}
